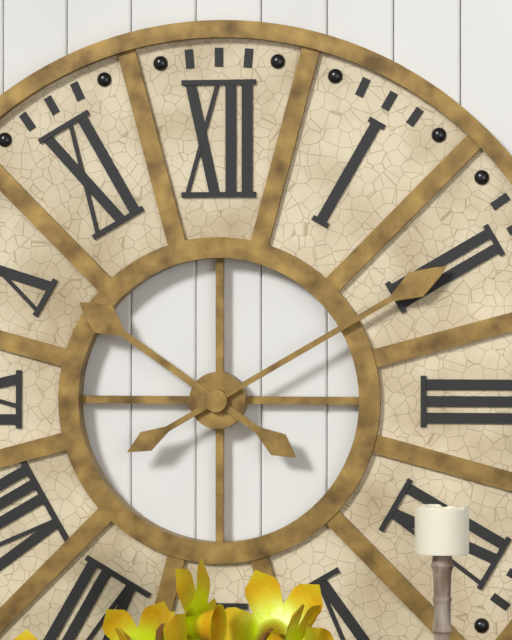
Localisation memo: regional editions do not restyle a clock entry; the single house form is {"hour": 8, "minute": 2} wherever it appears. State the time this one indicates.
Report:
{"hour": 10, "minute": 10}
